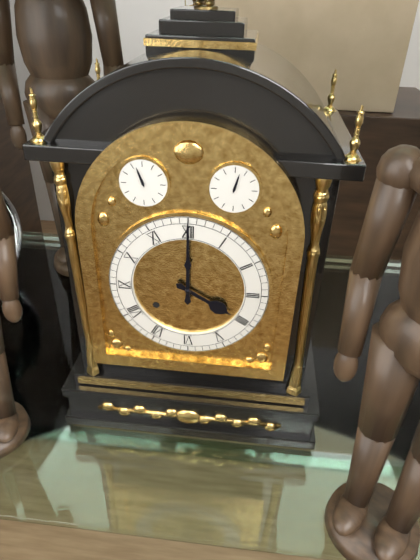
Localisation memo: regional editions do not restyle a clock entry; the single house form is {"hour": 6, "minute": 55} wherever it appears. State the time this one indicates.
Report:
{"hour": 4, "minute": 0}
